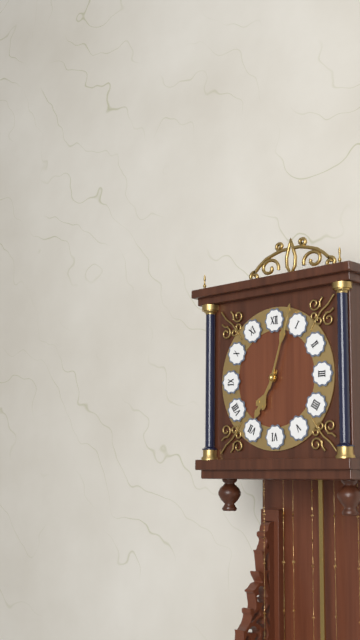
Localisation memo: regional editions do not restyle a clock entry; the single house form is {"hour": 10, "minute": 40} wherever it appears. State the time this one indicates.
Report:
{"hour": 7, "minute": 3}
